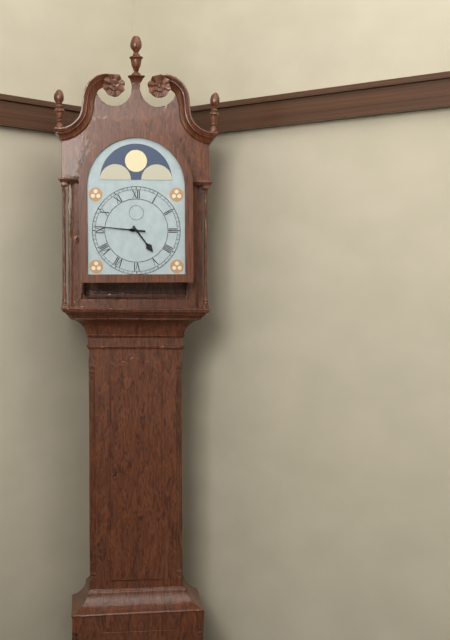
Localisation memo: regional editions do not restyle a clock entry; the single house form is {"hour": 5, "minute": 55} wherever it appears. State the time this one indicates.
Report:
{"hour": 4, "minute": 46}
